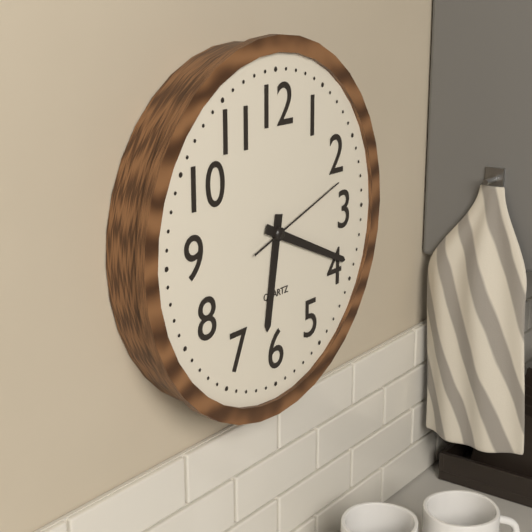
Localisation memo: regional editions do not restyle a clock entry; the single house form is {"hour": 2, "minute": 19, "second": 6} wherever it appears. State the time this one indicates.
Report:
{"hour": 6, "minute": 19, "second": 12}
